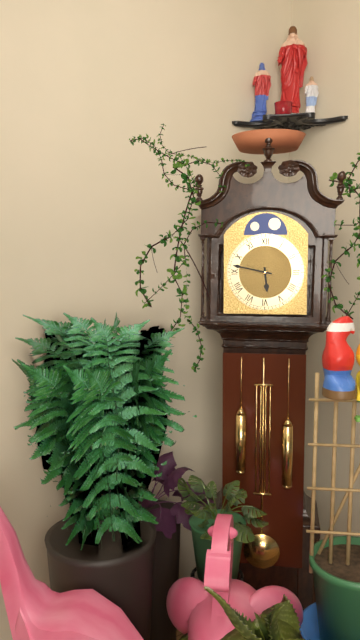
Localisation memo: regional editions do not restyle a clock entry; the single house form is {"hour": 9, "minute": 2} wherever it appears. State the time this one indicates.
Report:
{"hour": 5, "minute": 47}
